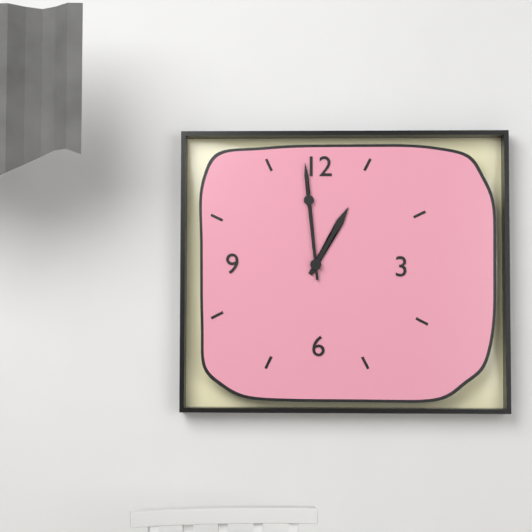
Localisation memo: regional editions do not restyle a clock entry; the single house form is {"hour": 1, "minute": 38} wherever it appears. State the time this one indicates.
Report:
{"hour": 12, "minute": 59}
